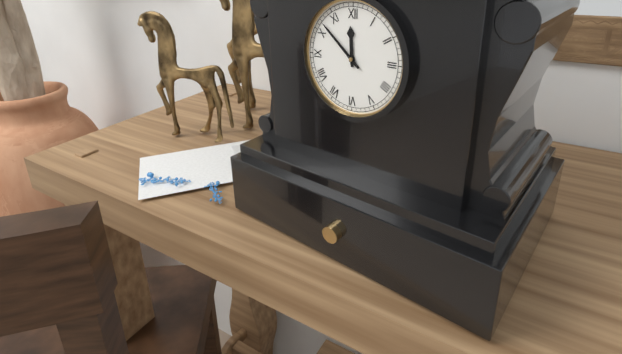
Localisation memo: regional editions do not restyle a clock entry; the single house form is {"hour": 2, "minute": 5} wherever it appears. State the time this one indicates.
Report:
{"hour": 11, "minute": 52}
